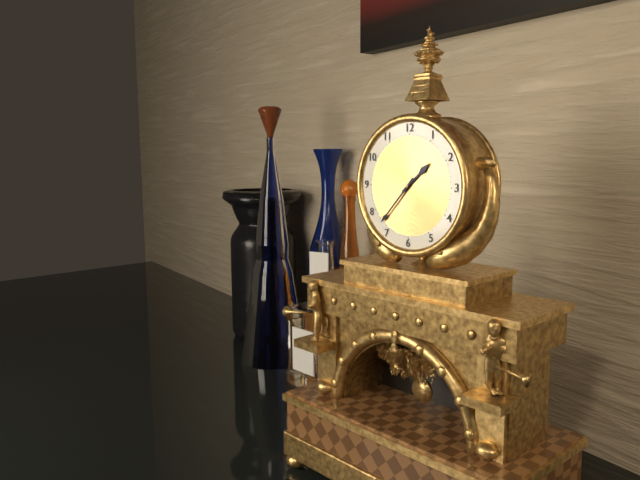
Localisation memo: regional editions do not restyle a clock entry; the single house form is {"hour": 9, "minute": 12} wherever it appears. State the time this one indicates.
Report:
{"hour": 1, "minute": 37}
